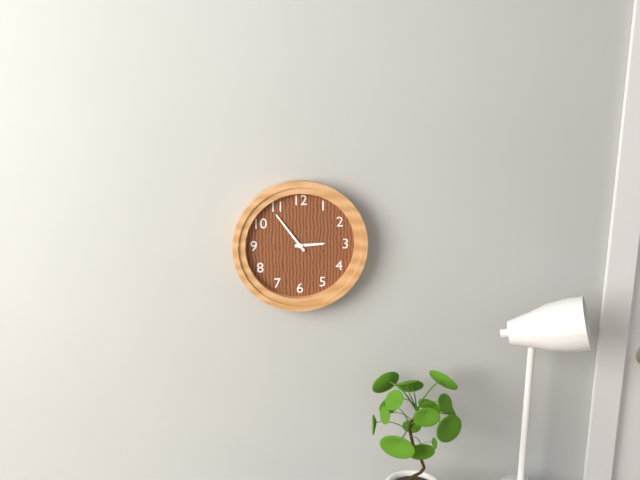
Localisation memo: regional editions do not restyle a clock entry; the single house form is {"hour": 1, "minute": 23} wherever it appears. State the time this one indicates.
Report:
{"hour": 2, "minute": 54}
